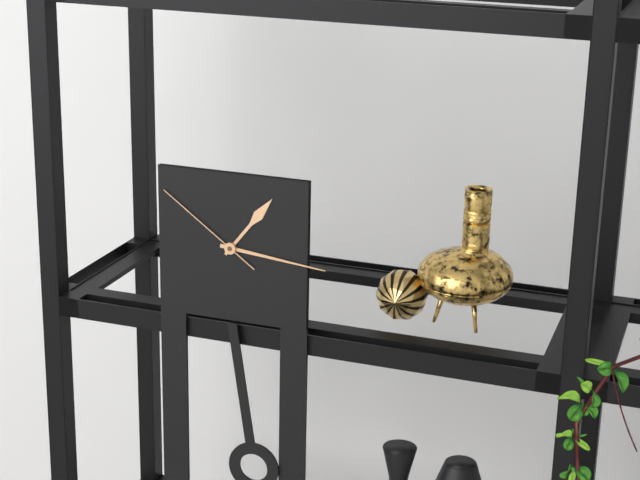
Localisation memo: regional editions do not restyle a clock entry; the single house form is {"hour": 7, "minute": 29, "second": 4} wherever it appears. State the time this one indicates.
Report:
{"hour": 1, "minute": 16, "second": 51}
